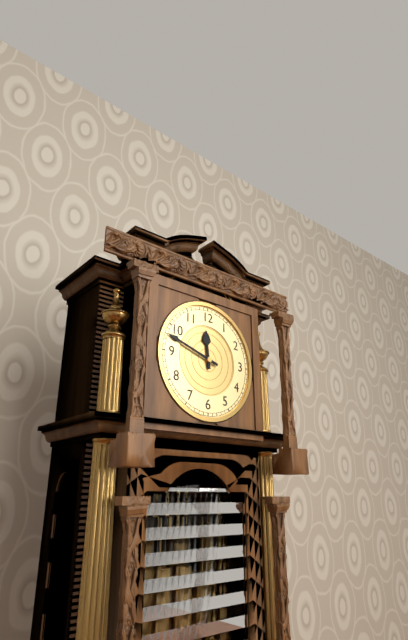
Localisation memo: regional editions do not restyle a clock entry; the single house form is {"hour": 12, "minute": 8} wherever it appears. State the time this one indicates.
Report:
{"hour": 11, "minute": 48}
